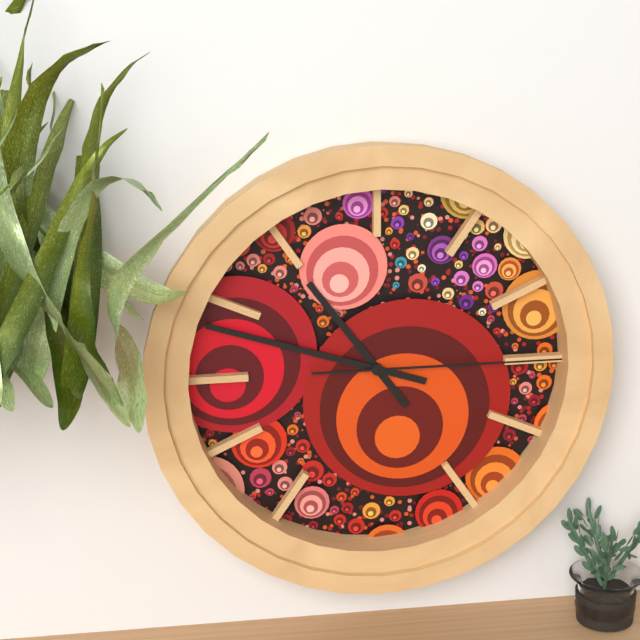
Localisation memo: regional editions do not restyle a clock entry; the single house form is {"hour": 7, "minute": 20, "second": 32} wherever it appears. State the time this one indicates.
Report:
{"hour": 10, "minute": 48, "second": 15}
